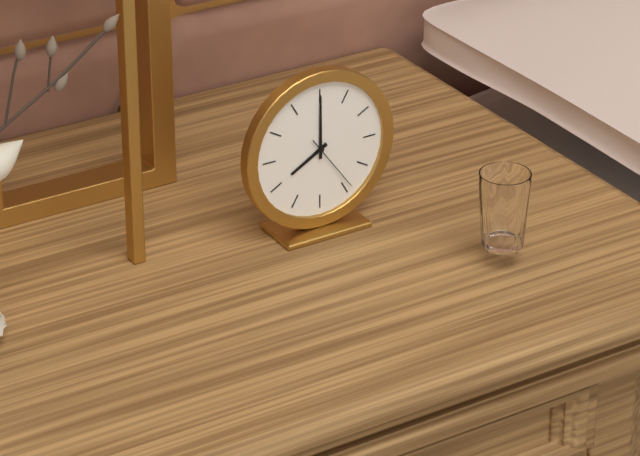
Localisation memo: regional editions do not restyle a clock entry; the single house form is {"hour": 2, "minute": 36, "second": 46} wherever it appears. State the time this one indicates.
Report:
{"hour": 8, "minute": 0, "second": 24}
